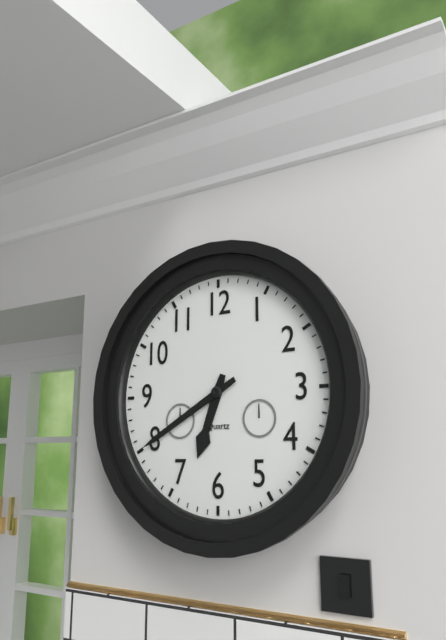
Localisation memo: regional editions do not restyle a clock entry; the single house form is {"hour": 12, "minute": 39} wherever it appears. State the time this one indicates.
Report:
{"hour": 6, "minute": 40}
